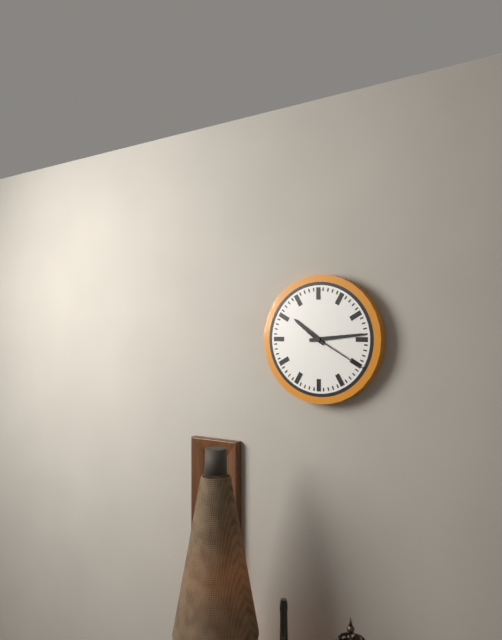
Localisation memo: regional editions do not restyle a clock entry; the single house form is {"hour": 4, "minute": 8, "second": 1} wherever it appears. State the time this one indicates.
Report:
{"hour": 10, "minute": 14, "second": 20}
